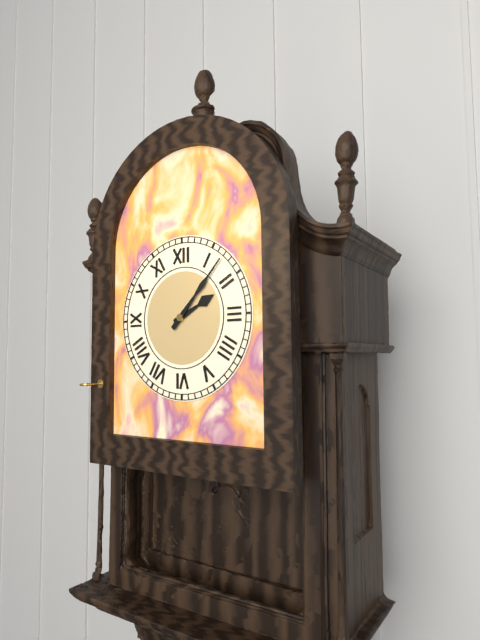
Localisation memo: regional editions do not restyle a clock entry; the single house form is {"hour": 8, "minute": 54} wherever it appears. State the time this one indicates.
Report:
{"hour": 2, "minute": 7}
